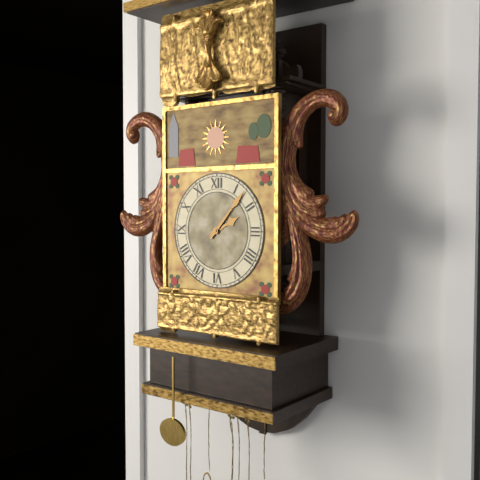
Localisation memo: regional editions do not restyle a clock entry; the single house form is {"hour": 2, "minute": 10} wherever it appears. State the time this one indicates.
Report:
{"hour": 2, "minute": 7}
